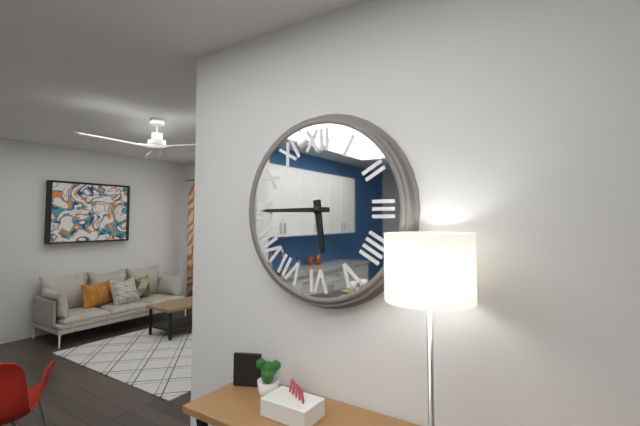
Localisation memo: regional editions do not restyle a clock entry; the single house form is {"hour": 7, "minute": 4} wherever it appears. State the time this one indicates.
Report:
{"hour": 5, "minute": 45}
